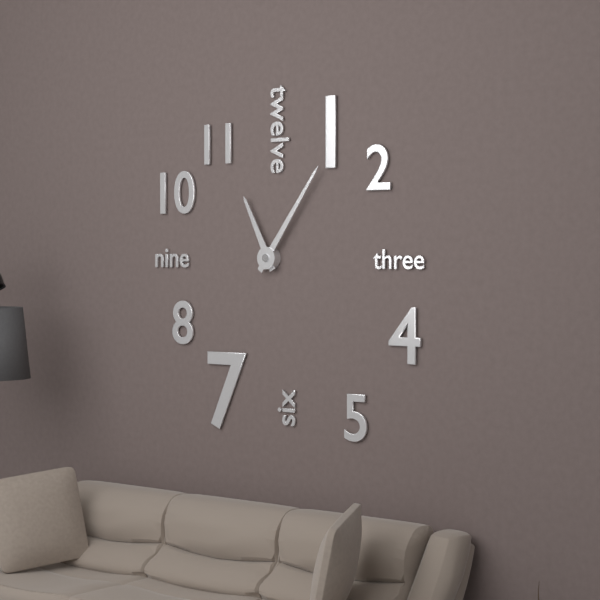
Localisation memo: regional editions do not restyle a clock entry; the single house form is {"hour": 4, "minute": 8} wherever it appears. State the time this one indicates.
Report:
{"hour": 11, "minute": 6}
